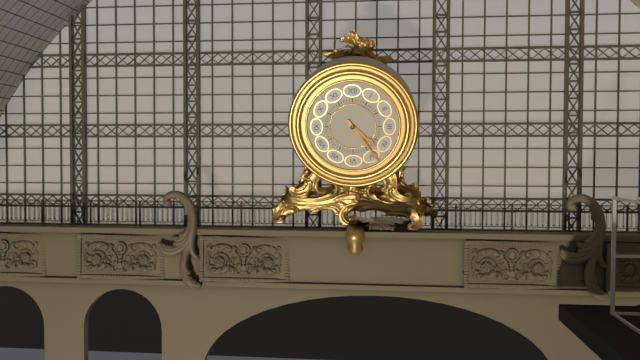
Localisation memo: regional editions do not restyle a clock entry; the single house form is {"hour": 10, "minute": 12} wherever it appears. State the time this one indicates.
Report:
{"hour": 4, "minute": 24}
